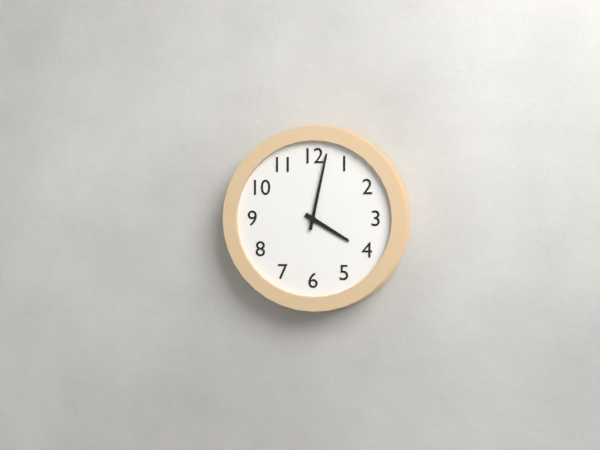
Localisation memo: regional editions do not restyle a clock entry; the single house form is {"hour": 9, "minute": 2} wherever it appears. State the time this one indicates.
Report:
{"hour": 4, "minute": 2}
